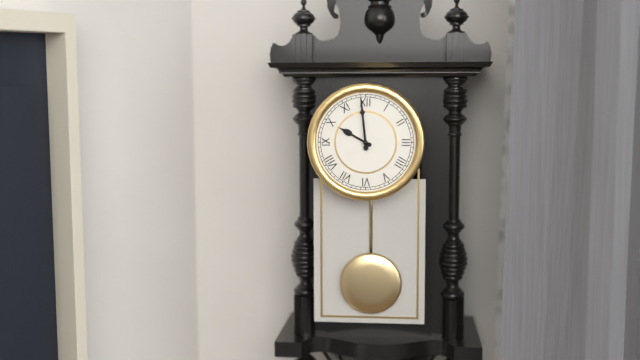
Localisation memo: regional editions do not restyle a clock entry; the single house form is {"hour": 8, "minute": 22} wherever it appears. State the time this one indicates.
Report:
{"hour": 9, "minute": 59}
